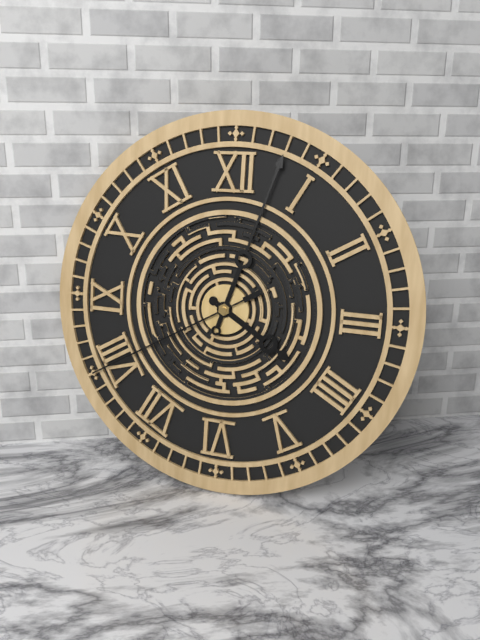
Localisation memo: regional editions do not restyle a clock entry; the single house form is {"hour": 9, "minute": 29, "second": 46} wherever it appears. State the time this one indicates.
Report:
{"hour": 4, "minute": 3, "second": 40}
